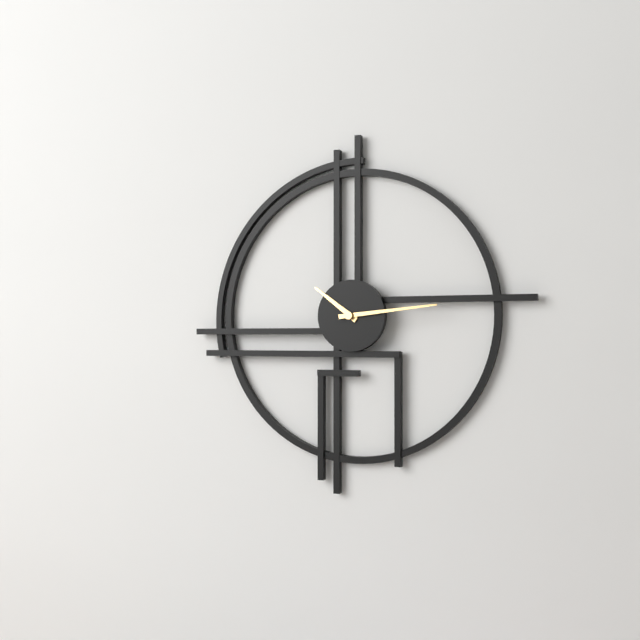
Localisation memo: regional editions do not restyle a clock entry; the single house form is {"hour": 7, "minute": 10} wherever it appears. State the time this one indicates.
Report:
{"hour": 10, "minute": 14}
